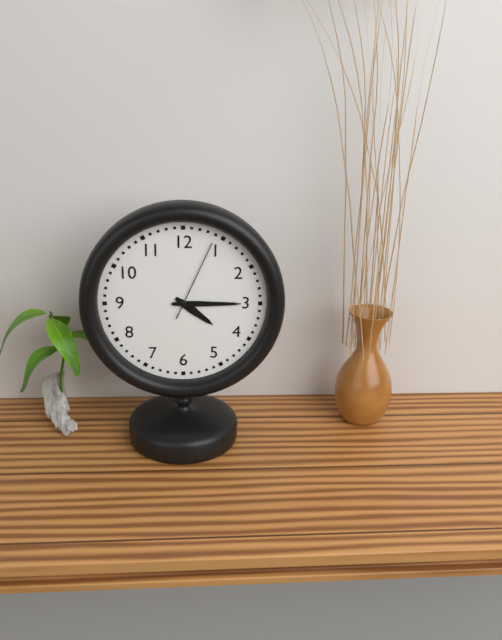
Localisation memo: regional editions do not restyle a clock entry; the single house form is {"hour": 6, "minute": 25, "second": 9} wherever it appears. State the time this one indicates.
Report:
{"hour": 4, "minute": 15, "second": 4}
